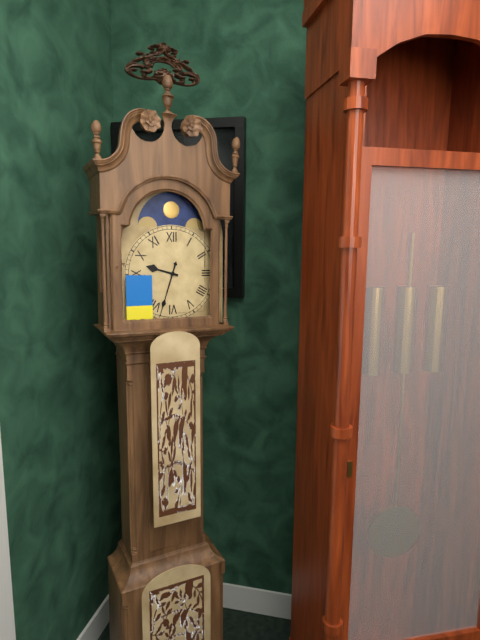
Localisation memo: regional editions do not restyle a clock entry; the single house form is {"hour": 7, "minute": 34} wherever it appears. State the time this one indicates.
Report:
{"hour": 9, "minute": 33}
